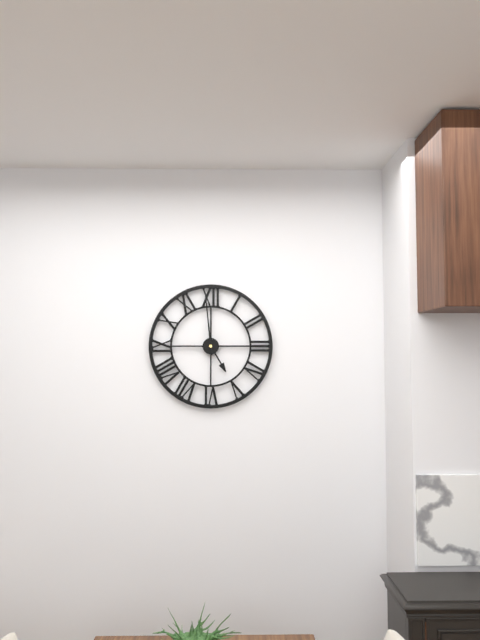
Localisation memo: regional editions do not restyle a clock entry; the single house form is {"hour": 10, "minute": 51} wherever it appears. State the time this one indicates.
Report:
{"hour": 4, "minute": 59}
